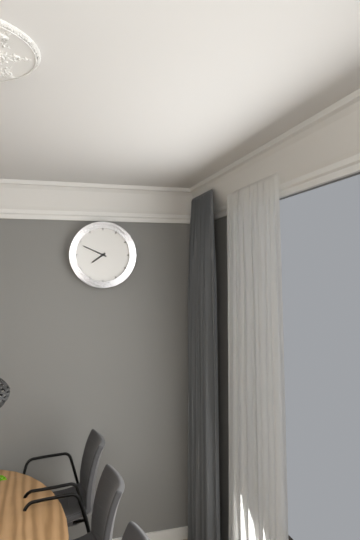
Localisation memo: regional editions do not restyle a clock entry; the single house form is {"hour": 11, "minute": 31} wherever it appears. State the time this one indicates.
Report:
{"hour": 7, "minute": 49}
